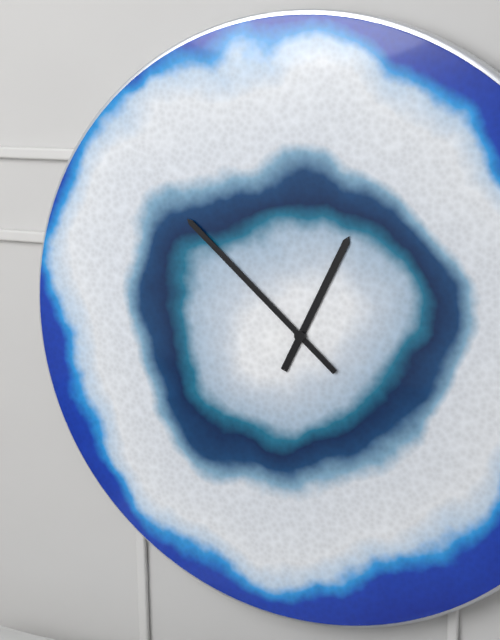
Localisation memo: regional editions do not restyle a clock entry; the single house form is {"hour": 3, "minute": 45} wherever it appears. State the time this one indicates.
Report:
{"hour": 12, "minute": 52}
